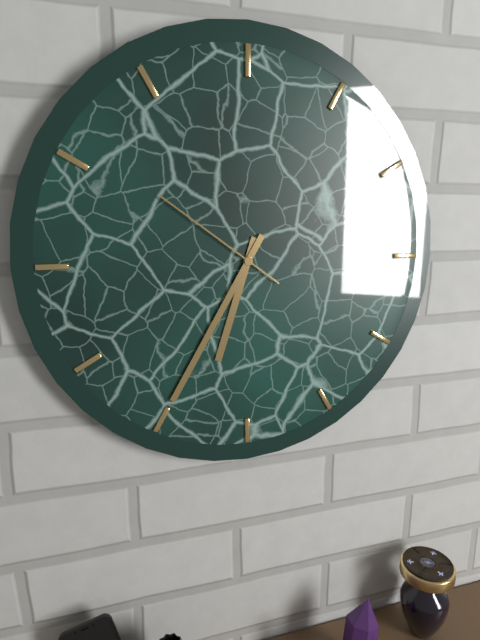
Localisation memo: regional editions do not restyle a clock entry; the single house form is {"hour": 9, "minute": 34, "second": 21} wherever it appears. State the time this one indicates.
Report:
{"hour": 6, "minute": 35, "second": 51}
